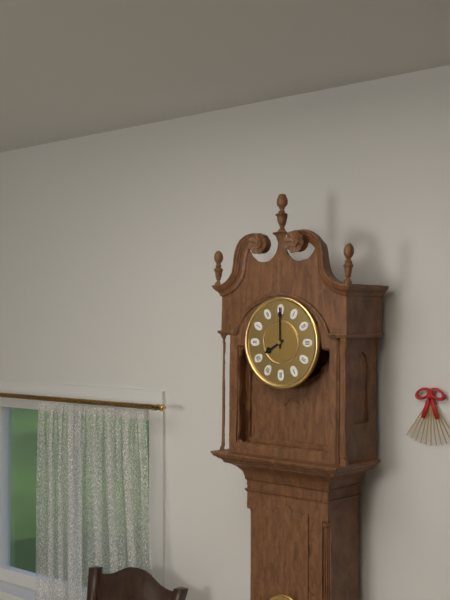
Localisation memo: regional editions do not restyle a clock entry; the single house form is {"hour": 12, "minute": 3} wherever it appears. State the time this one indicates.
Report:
{"hour": 8, "minute": 0}
